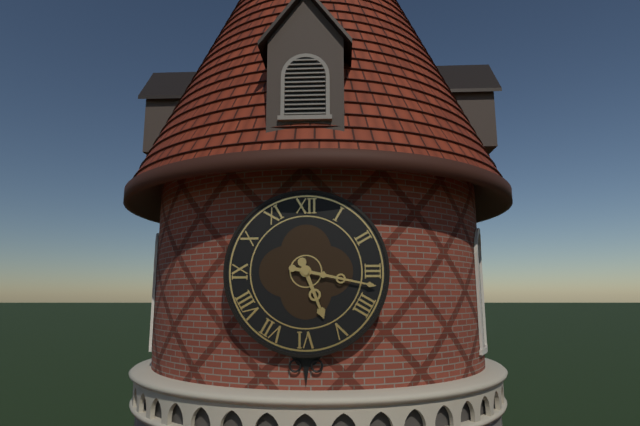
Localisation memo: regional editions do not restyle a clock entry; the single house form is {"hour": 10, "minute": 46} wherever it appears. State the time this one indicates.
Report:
{"hour": 5, "minute": 17}
